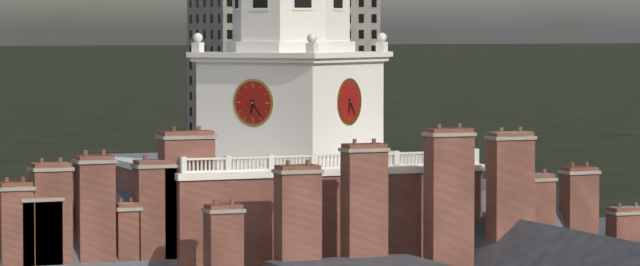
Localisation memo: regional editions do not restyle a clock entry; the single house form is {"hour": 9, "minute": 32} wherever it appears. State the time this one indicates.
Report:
{"hour": 6, "minute": 24}
